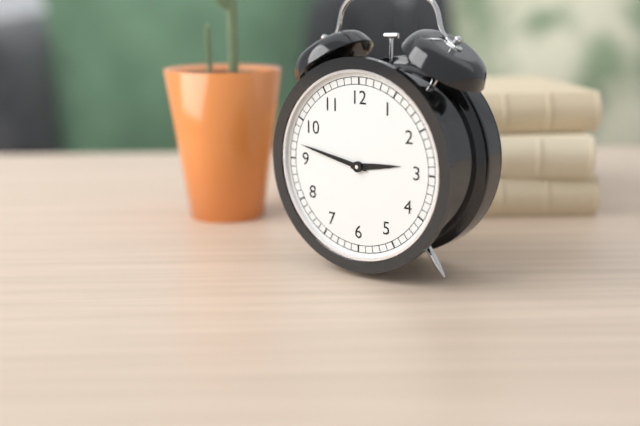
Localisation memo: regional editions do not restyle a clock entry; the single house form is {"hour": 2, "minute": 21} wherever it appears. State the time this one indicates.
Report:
{"hour": 2, "minute": 47}
